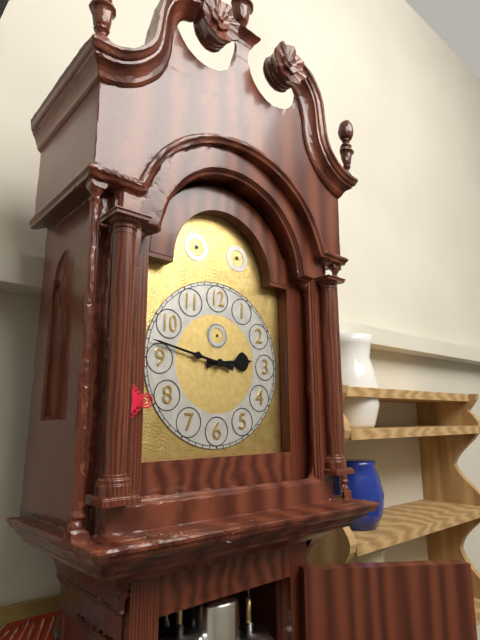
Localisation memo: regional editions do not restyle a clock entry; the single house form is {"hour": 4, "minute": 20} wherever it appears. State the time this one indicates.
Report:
{"hour": 2, "minute": 47}
